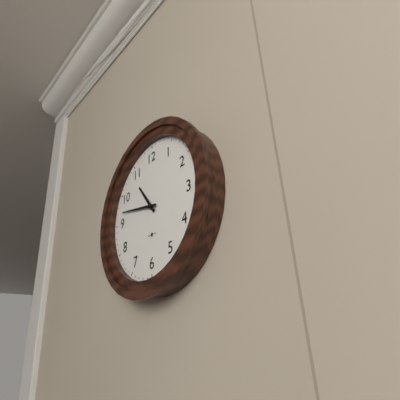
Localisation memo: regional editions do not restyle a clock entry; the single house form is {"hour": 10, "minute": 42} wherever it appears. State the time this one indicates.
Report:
{"hour": 10, "minute": 47}
